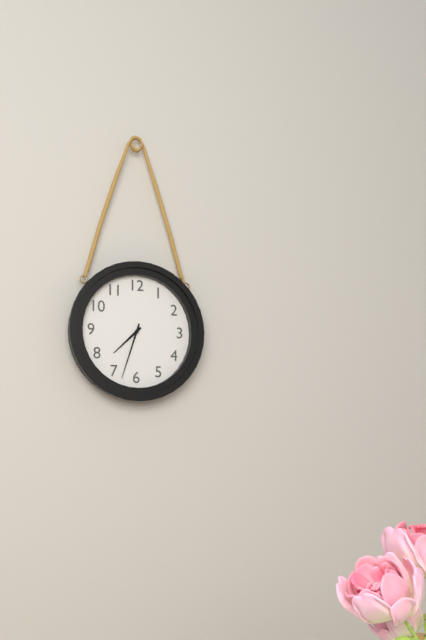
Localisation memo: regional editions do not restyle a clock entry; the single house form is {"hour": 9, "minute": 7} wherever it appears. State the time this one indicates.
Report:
{"hour": 7, "minute": 33}
